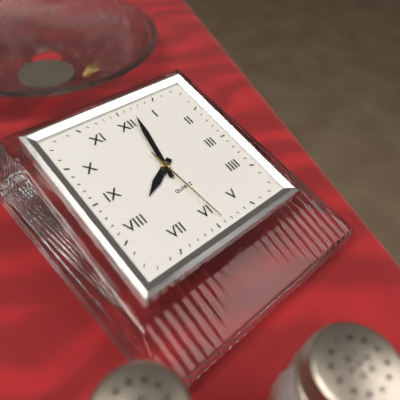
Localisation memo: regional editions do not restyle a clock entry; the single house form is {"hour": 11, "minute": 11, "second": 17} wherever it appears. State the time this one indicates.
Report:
{"hour": 8, "minute": 2, "second": 29}
